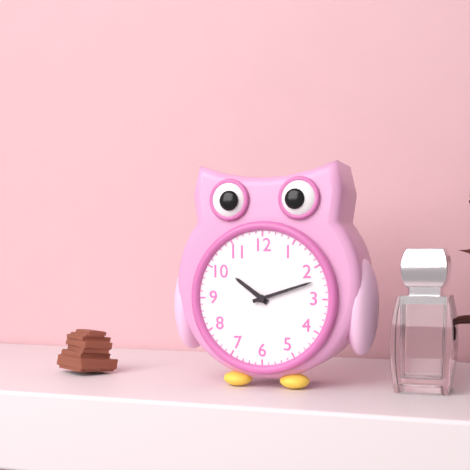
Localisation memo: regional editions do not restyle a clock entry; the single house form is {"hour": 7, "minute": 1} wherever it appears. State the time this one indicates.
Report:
{"hour": 10, "minute": 12}
